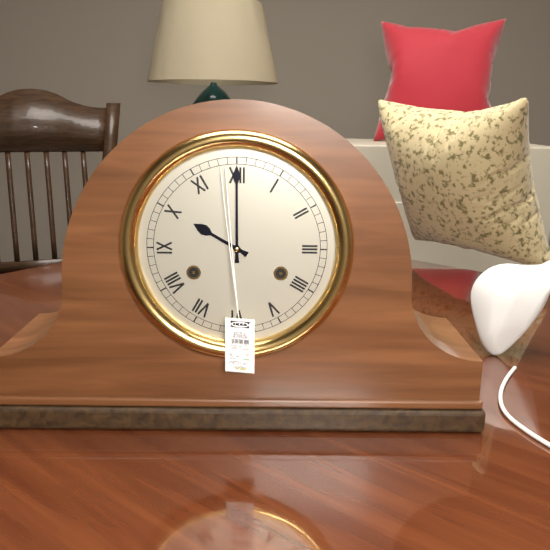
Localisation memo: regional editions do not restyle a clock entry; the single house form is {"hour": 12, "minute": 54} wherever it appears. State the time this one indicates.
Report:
{"hour": 10, "minute": 0}
